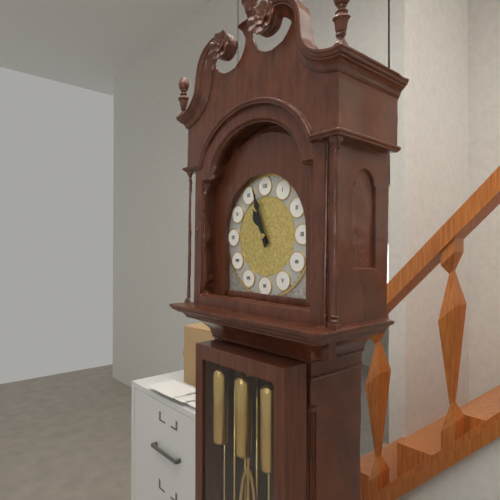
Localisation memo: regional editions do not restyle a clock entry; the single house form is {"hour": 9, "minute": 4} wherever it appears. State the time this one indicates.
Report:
{"hour": 10, "minute": 57}
